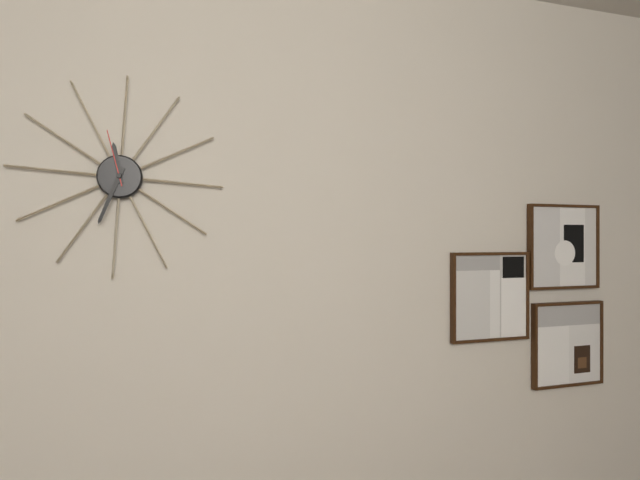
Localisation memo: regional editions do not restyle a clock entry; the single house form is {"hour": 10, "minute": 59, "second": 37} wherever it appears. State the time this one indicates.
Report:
{"hour": 11, "minute": 33, "second": 57}
